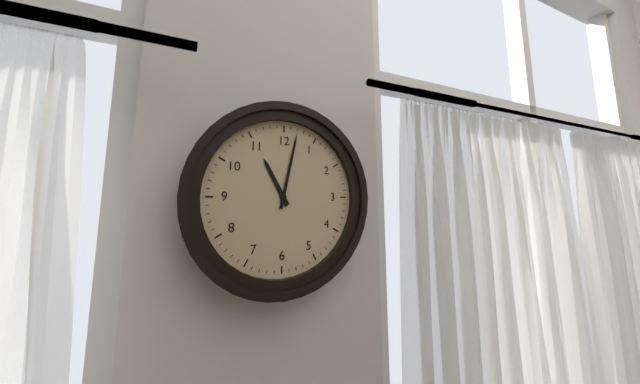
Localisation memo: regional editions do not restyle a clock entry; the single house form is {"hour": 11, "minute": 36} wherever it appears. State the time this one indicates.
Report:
{"hour": 11, "minute": 2}
